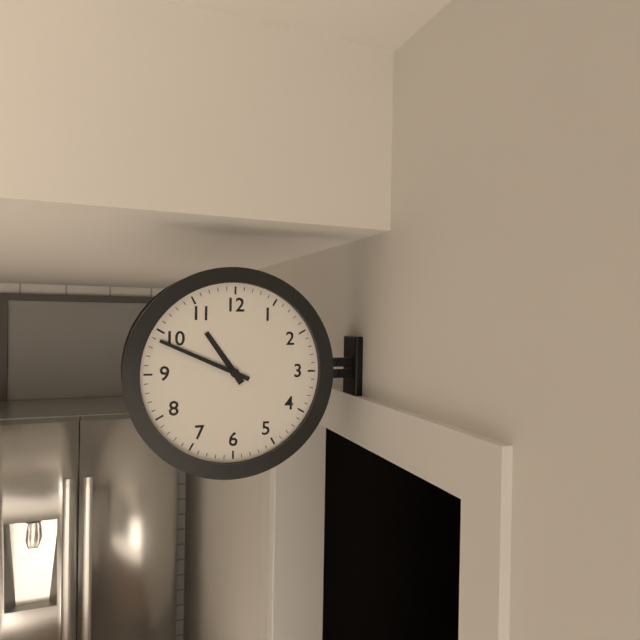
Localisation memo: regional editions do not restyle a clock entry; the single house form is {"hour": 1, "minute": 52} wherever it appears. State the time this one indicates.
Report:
{"hour": 10, "minute": 49}
